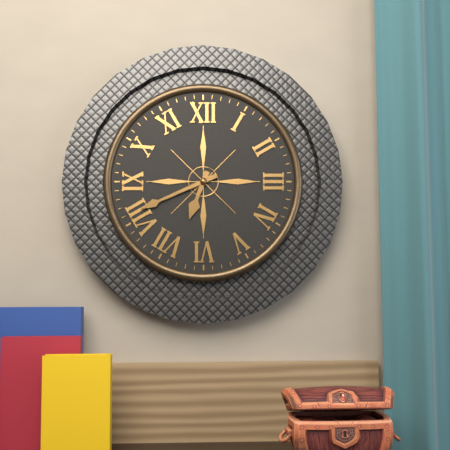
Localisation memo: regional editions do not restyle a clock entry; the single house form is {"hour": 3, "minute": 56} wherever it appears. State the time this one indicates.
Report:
{"hour": 6, "minute": 41}
